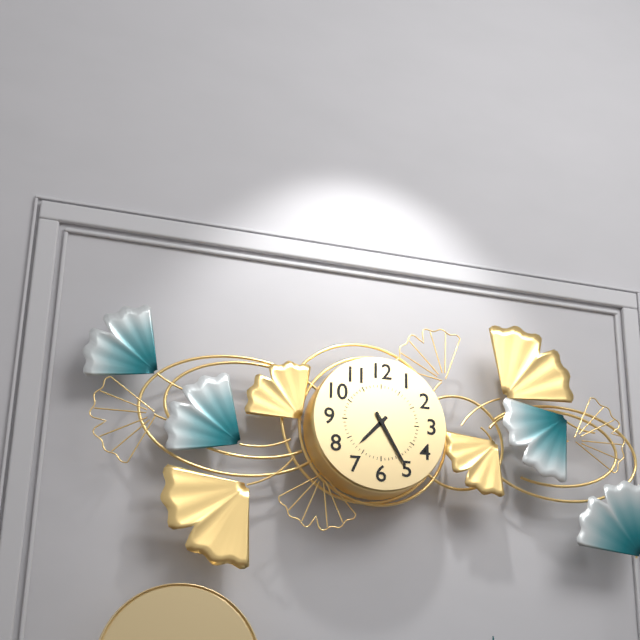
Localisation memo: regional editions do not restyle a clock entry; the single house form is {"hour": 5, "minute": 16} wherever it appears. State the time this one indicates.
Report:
{"hour": 7, "minute": 25}
